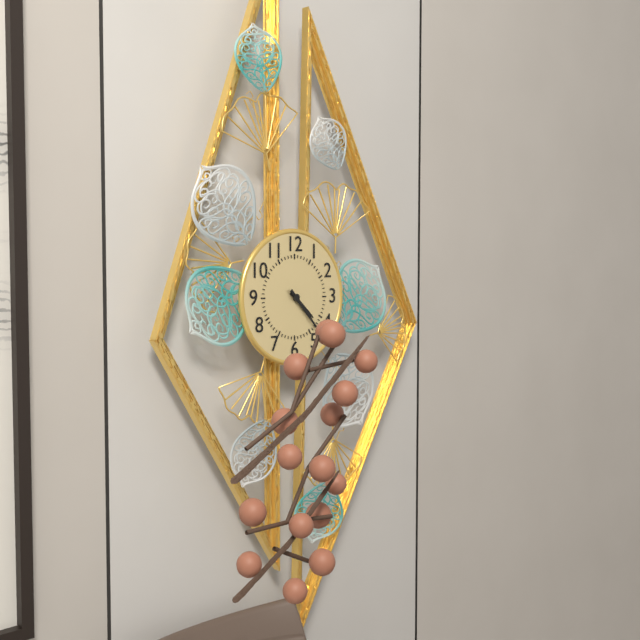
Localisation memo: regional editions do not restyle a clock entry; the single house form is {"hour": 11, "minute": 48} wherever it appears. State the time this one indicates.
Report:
{"hour": 4, "minute": 23}
